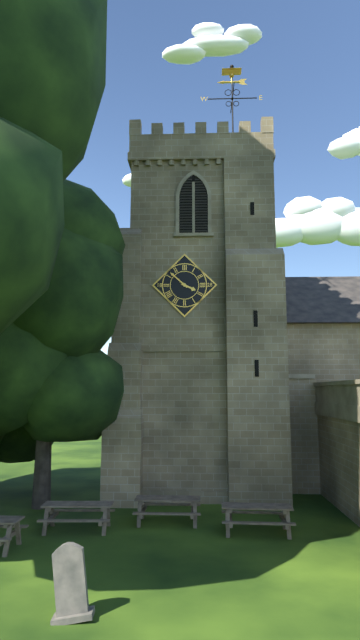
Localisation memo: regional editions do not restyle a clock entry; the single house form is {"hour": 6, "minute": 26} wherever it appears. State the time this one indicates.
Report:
{"hour": 3, "minute": 52}
